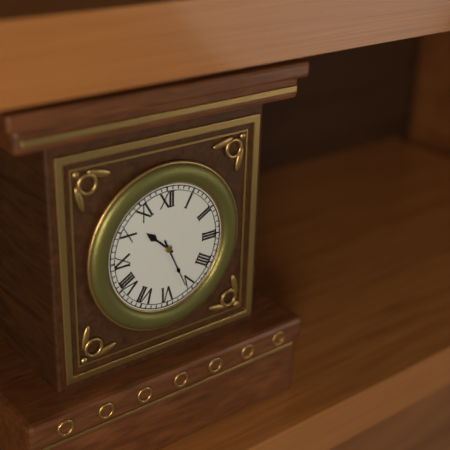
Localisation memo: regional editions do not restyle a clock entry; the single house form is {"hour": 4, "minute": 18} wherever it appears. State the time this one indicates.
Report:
{"hour": 10, "minute": 26}
